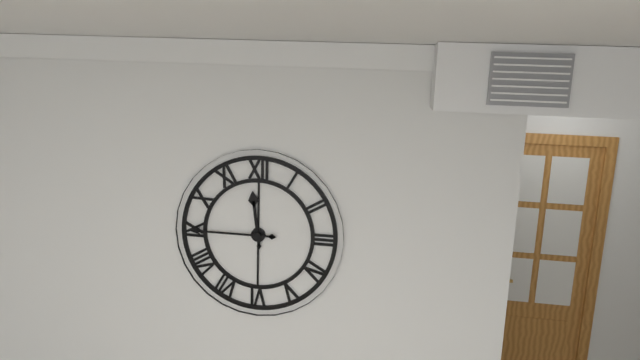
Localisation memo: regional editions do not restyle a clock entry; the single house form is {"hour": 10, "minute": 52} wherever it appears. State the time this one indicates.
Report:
{"hour": 11, "minute": 45}
